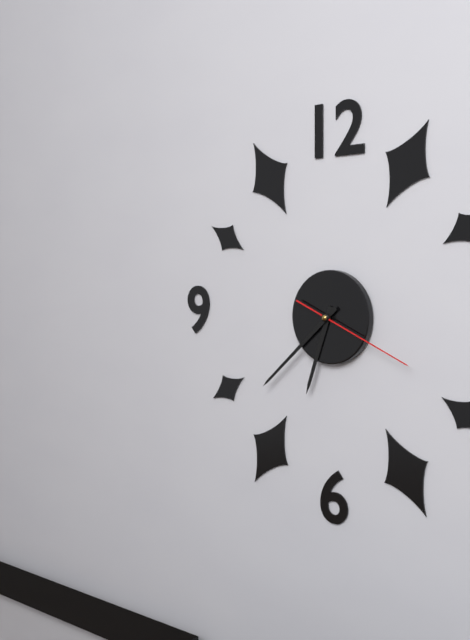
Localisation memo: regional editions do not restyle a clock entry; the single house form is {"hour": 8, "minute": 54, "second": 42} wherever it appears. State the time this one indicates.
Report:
{"hour": 6, "minute": 38, "second": 19}
